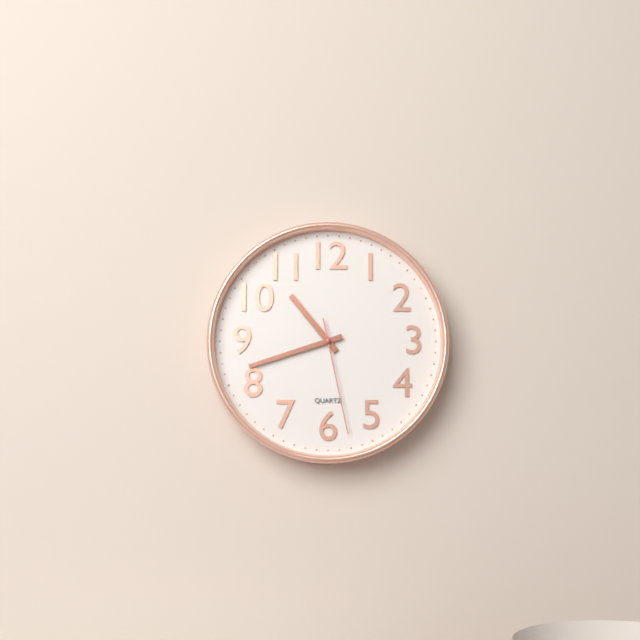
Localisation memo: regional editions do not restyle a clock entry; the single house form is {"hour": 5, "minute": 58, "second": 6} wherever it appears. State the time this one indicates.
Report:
{"hour": 10, "minute": 42, "second": 28}
